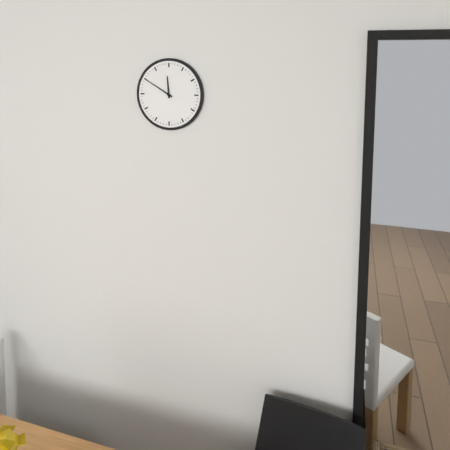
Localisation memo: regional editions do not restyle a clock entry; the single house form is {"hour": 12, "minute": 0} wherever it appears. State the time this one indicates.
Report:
{"hour": 11, "minute": 50}
